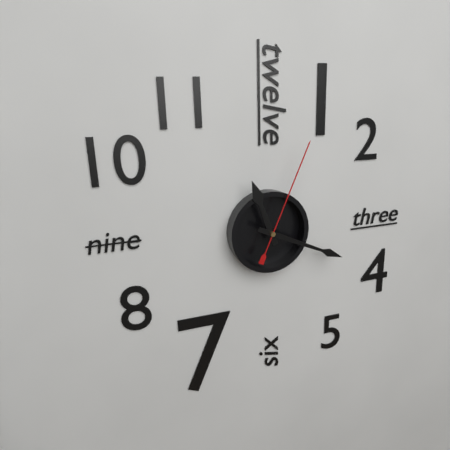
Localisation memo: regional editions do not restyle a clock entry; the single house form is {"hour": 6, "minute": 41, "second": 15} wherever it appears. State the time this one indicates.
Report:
{"hour": 11, "minute": 19, "second": 4}
